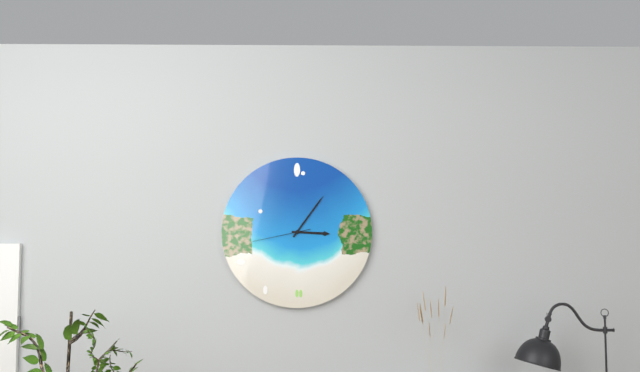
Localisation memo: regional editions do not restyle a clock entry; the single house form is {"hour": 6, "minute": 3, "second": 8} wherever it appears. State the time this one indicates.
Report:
{"hour": 3, "minute": 6, "second": 43}
